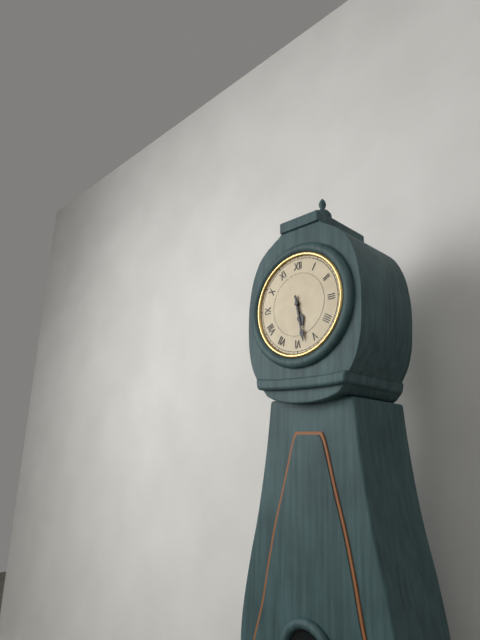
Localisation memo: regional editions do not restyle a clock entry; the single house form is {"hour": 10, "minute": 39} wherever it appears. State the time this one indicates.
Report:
{"hour": 5, "minute": 28}
